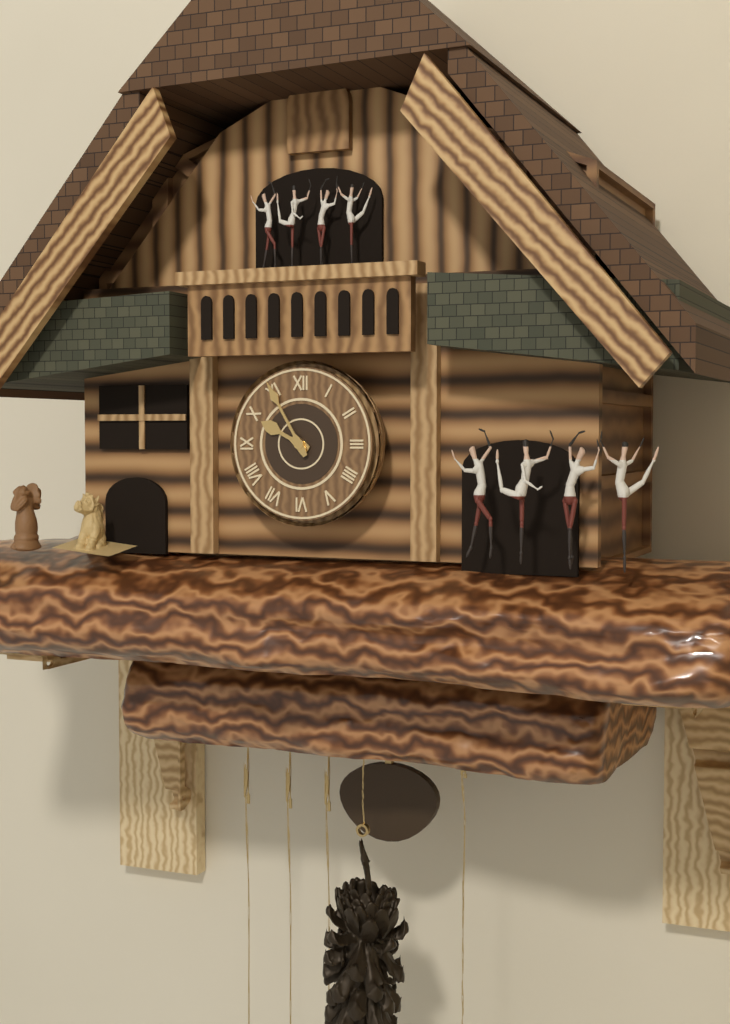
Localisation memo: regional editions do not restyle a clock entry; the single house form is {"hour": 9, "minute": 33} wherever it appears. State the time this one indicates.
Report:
{"hour": 9, "minute": 55}
